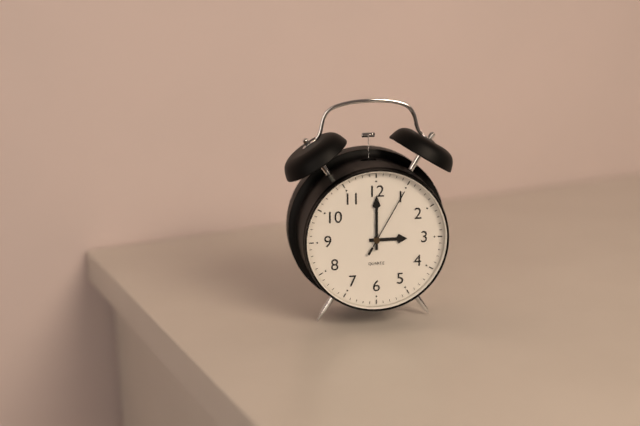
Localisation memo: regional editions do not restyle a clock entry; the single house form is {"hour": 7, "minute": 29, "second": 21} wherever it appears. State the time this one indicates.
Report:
{"hour": 3, "minute": 0, "second": 5}
